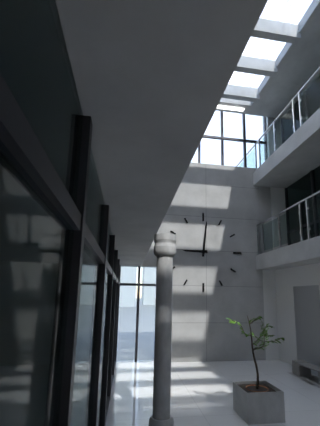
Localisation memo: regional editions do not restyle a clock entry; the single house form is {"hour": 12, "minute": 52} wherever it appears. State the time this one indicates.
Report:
{"hour": 9, "minute": 1}
